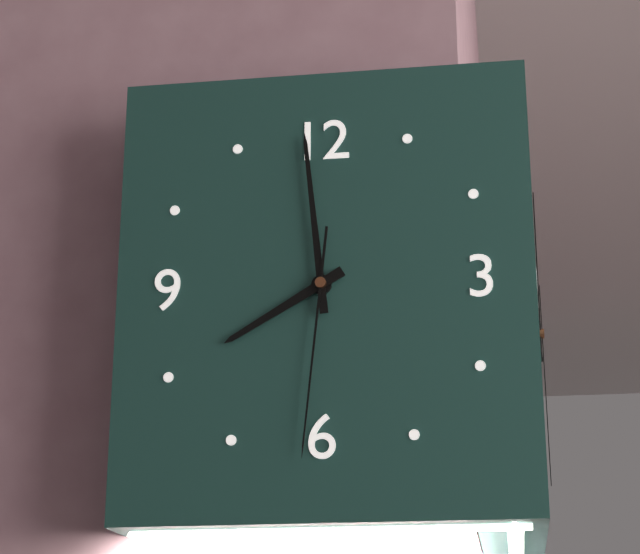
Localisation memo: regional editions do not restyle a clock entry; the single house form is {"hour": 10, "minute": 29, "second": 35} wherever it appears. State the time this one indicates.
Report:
{"hour": 7, "minute": 59, "second": 31}
